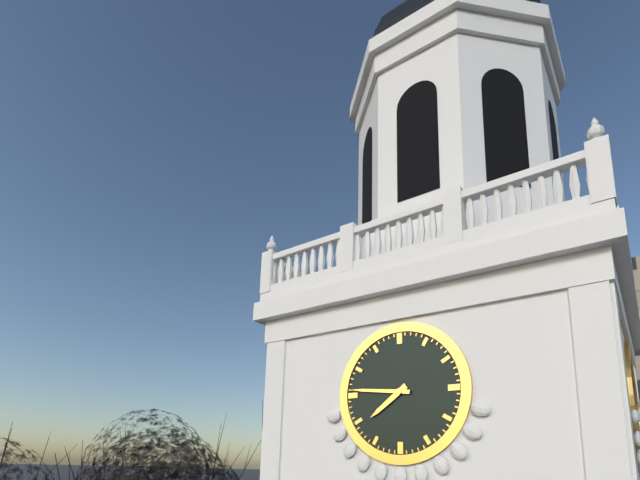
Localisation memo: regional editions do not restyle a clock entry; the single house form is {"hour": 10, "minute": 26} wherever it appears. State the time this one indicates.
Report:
{"hour": 7, "minute": 46}
